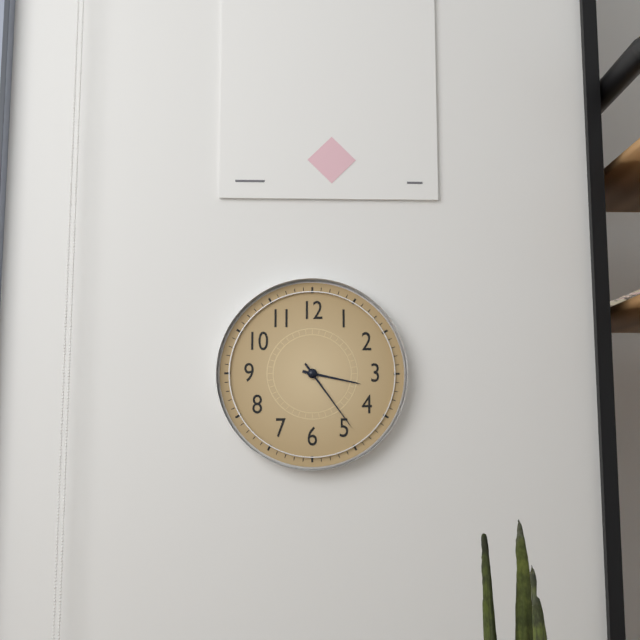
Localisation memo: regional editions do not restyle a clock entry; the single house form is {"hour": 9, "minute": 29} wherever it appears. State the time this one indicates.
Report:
{"hour": 3, "minute": 24}
